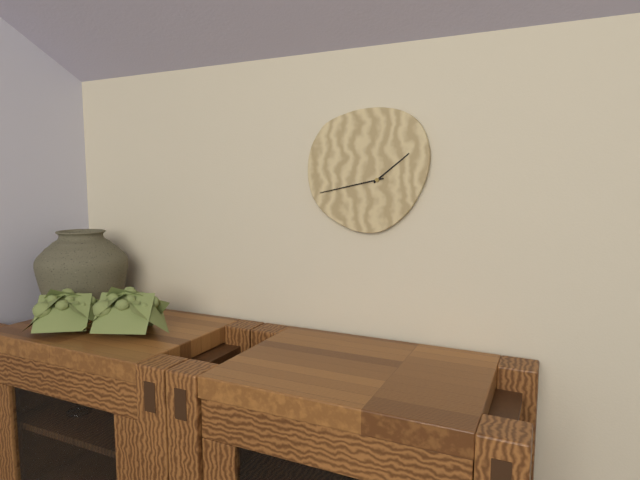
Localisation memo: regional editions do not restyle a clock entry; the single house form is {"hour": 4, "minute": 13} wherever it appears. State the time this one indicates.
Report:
{"hour": 1, "minute": 43}
